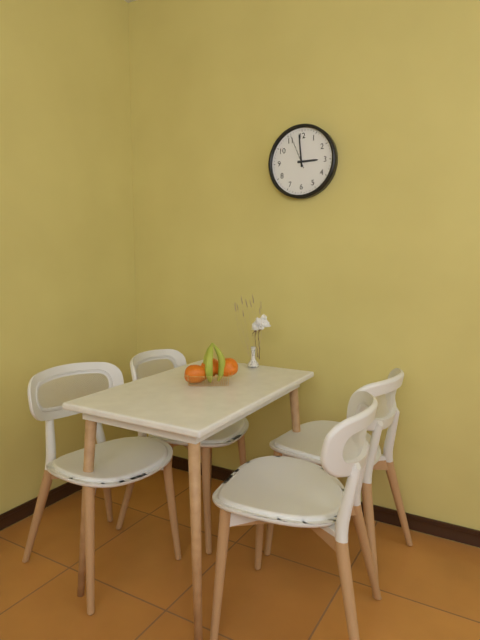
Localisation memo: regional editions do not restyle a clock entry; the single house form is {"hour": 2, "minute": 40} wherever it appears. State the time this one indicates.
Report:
{"hour": 2, "minute": 59}
